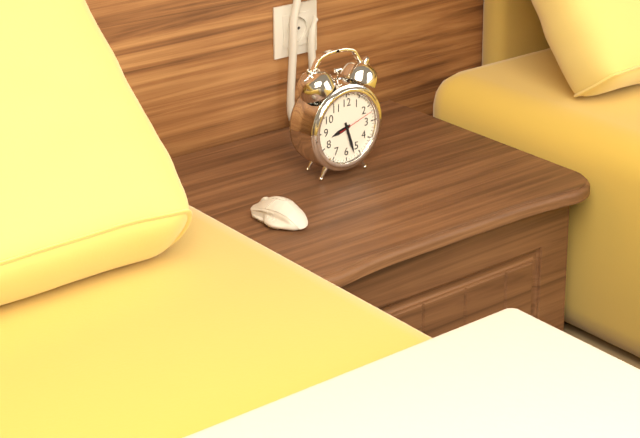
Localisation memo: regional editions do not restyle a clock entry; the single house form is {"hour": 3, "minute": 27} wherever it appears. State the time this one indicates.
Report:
{"hour": 8, "minute": 27}
